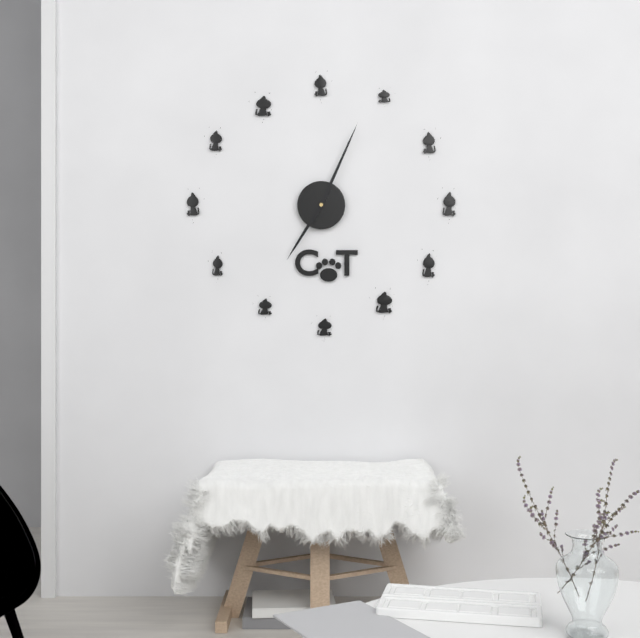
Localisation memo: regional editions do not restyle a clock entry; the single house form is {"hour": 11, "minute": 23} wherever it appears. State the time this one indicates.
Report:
{"hour": 7, "minute": 4}
